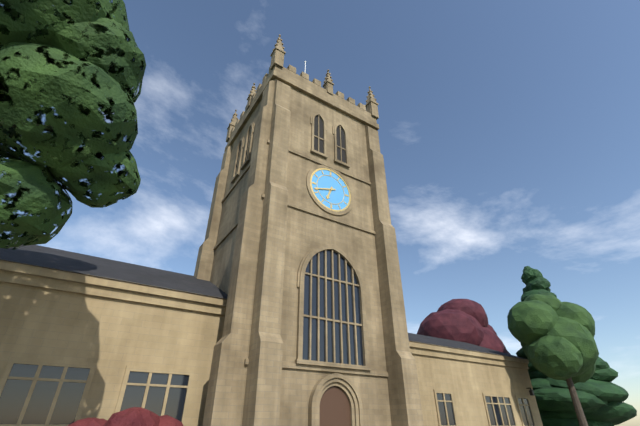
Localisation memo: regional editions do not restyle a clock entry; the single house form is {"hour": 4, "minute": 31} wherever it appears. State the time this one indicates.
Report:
{"hour": 6, "minute": 42}
